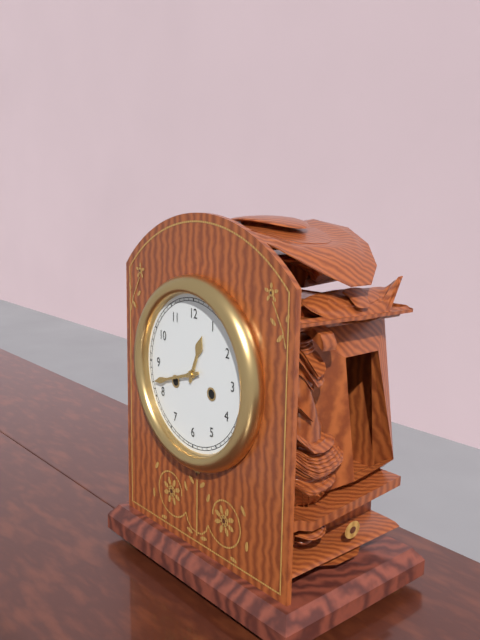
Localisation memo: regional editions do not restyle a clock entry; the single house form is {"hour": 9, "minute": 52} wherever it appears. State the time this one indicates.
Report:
{"hour": 12, "minute": 42}
